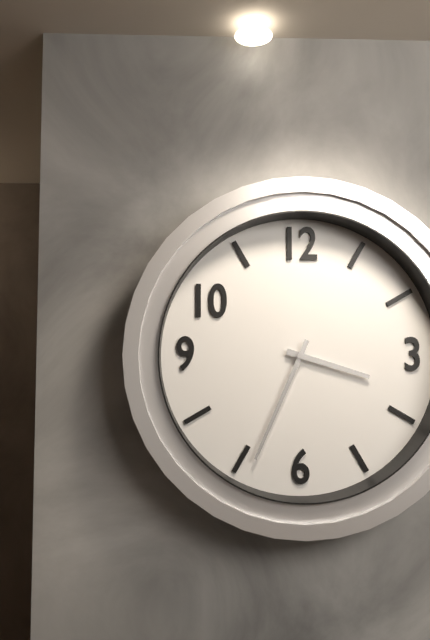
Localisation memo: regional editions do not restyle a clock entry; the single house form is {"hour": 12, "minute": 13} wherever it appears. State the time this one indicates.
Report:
{"hour": 3, "minute": 34}
